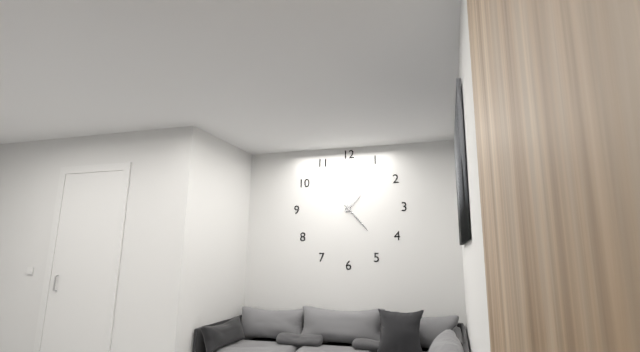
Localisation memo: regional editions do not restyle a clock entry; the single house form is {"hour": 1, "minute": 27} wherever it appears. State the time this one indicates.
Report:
{"hour": 1, "minute": 23}
